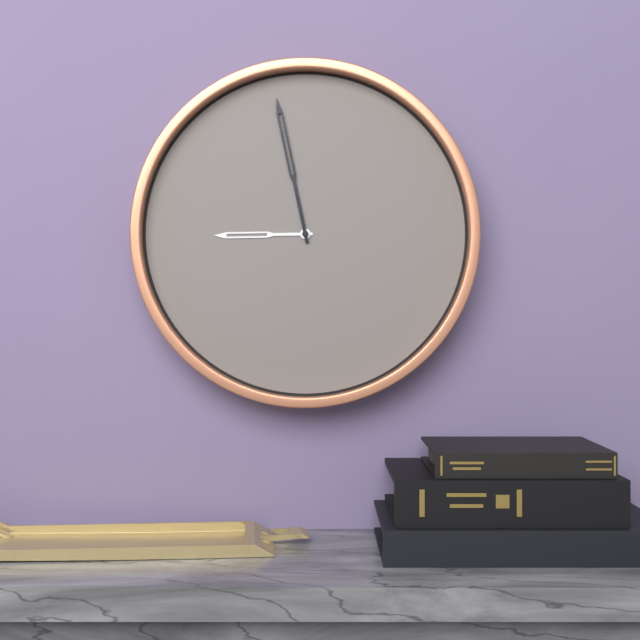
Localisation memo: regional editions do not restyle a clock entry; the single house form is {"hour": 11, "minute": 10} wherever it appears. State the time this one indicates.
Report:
{"hour": 8, "minute": 58}
